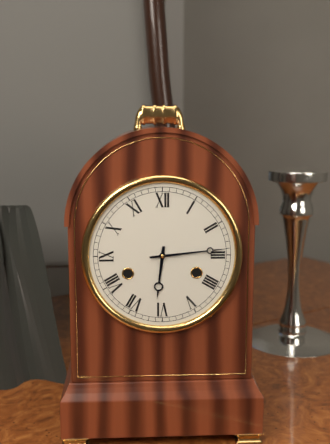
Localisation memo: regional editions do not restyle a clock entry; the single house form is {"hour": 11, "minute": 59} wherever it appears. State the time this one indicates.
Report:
{"hour": 6, "minute": 14}
